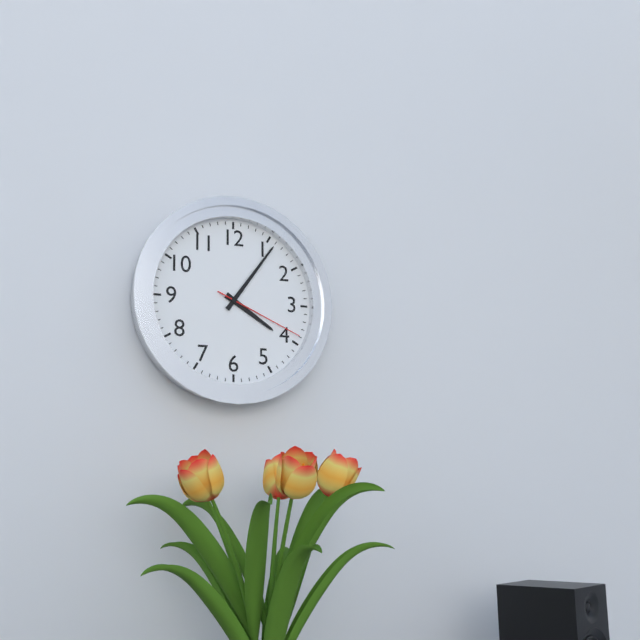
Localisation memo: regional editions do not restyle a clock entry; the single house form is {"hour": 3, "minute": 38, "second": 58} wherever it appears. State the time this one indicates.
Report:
{"hour": 4, "minute": 6, "second": 19}
